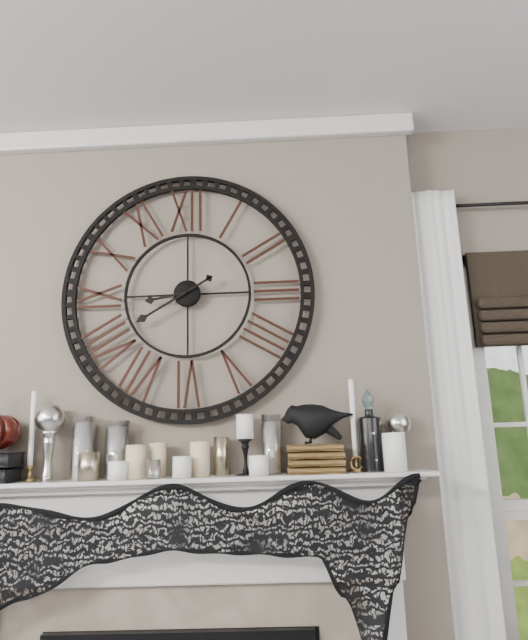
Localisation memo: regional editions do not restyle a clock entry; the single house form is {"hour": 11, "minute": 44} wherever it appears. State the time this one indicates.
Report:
{"hour": 8, "minute": 40}
